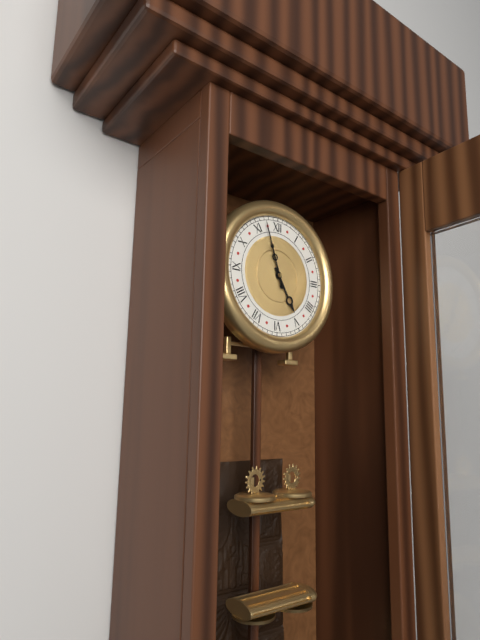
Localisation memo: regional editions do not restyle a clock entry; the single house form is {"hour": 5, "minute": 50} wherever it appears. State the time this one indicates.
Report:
{"hour": 4, "minute": 57}
